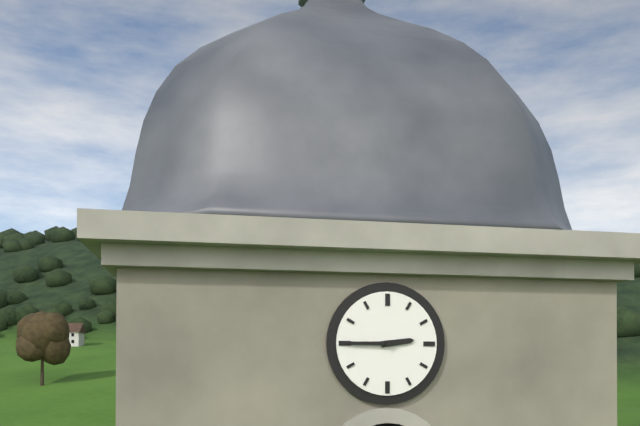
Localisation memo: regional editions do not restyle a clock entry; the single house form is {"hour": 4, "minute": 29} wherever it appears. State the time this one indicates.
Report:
{"hour": 2, "minute": 45}
